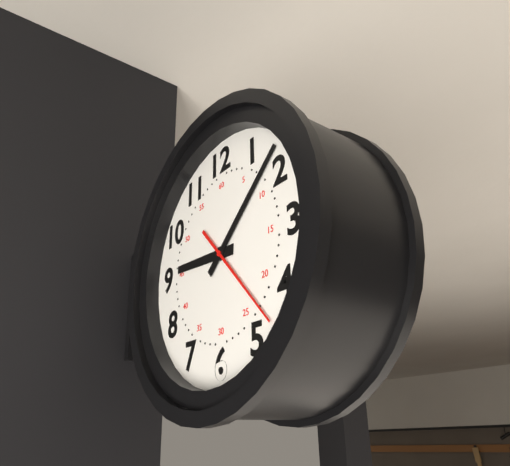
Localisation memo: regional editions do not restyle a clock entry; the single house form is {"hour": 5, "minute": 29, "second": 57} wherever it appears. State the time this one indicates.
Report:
{"hour": 9, "minute": 8, "second": 23}
